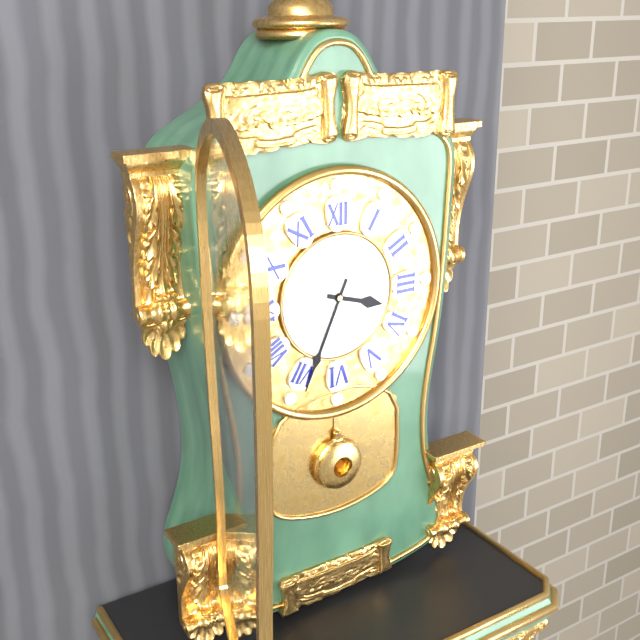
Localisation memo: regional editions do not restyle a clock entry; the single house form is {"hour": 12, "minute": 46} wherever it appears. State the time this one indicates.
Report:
{"hour": 3, "minute": 34}
